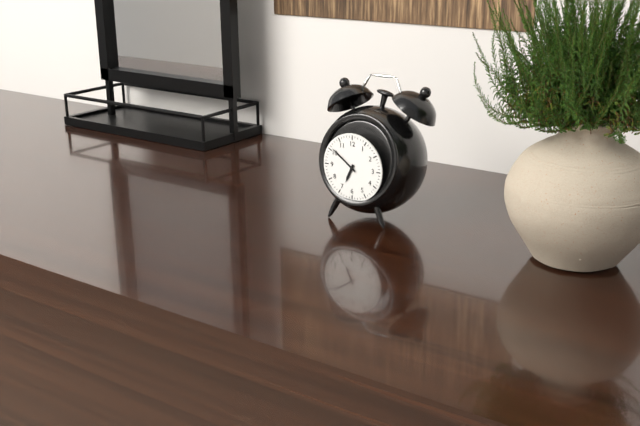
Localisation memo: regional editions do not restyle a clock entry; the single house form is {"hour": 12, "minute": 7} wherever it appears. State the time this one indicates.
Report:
{"hour": 6, "minute": 51}
